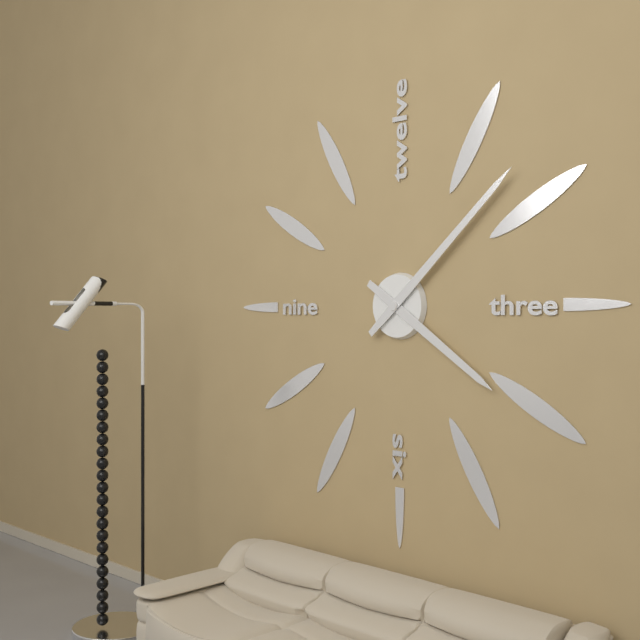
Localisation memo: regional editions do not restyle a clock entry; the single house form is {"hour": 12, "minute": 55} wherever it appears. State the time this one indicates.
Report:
{"hour": 4, "minute": 8}
